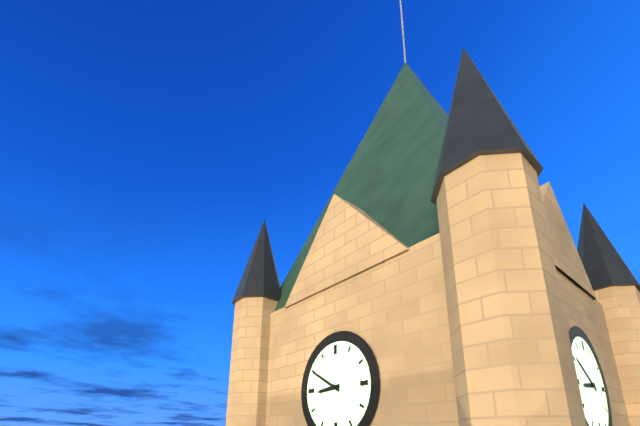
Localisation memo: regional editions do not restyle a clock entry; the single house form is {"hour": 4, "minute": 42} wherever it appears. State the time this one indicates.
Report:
{"hour": 8, "minute": 50}
